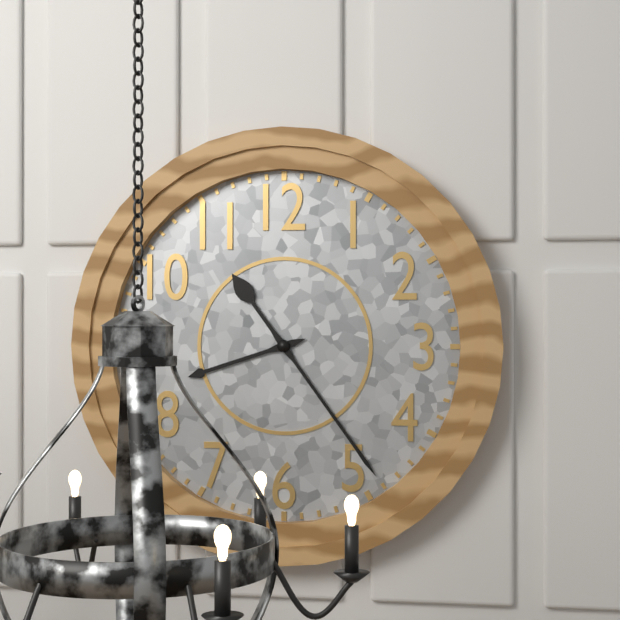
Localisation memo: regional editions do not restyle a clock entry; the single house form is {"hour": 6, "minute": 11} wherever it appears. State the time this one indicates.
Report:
{"hour": 8, "minute": 24}
